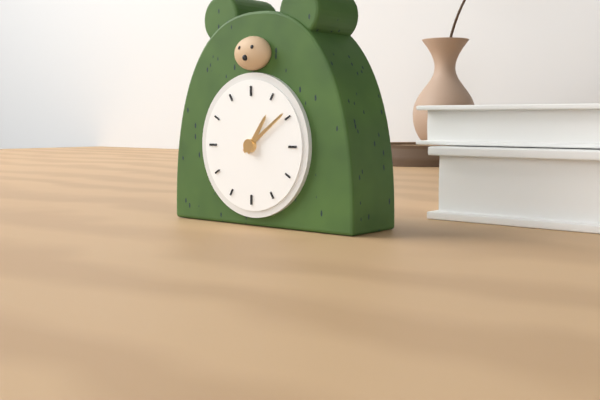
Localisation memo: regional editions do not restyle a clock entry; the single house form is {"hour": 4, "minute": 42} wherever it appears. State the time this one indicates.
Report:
{"hour": 1, "minute": 9}
